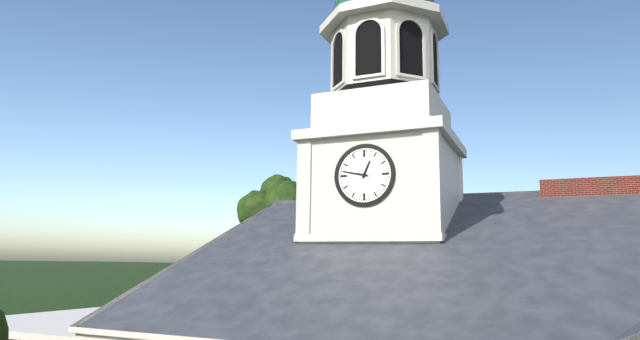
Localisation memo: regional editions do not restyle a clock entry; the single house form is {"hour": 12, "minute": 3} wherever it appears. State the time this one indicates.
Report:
{"hour": 12, "minute": 47}
